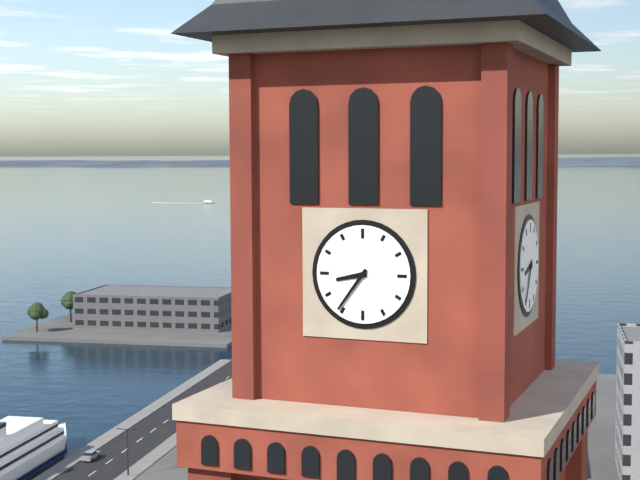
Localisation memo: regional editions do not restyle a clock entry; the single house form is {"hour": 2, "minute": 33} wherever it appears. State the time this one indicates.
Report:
{"hour": 8, "minute": 36}
